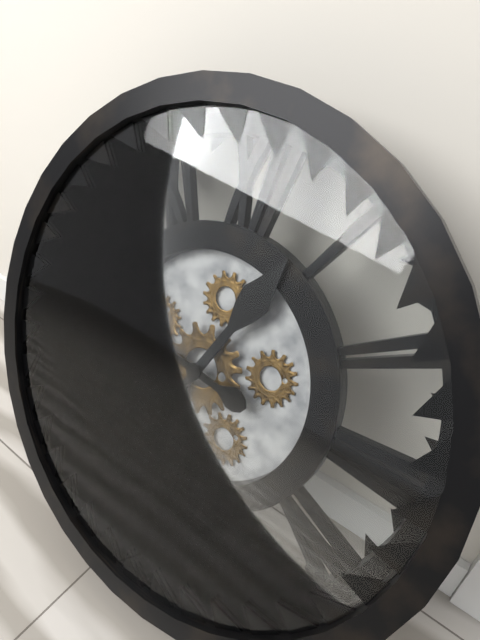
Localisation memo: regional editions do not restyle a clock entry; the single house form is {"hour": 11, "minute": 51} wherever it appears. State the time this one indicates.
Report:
{"hour": 12, "minute": 46}
